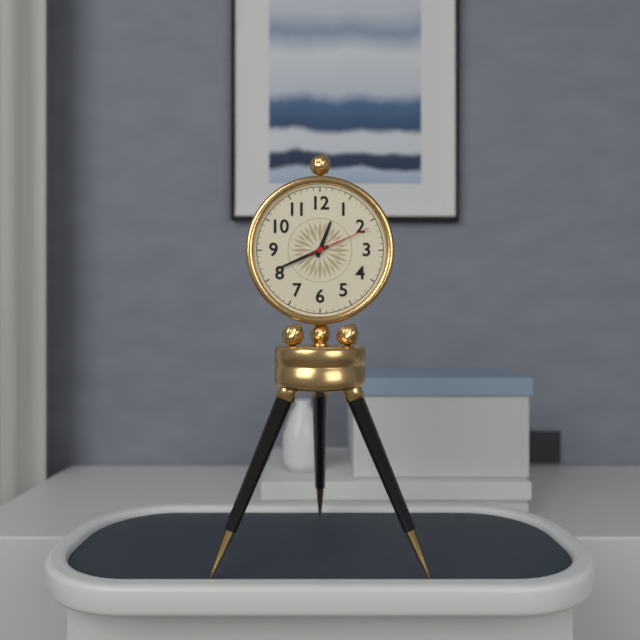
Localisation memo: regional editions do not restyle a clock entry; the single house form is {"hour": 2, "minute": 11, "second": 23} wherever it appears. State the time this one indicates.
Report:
{"hour": 12, "minute": 41, "second": 11}
